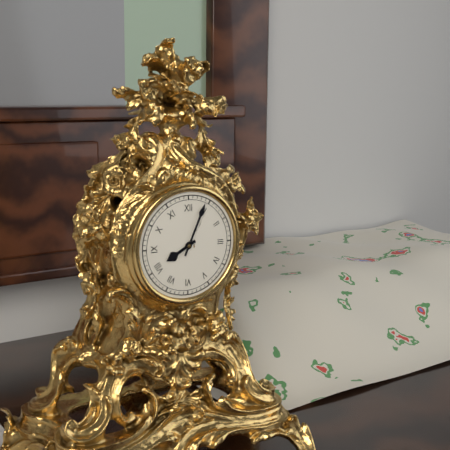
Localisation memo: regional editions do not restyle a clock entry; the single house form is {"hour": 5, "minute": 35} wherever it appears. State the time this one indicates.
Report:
{"hour": 8, "minute": 4}
